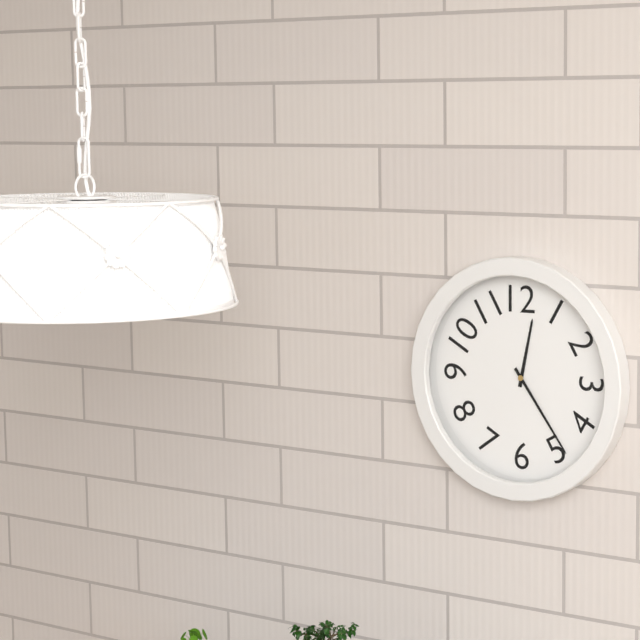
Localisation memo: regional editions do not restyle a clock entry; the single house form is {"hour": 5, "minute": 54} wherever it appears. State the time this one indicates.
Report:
{"hour": 12, "minute": 24}
